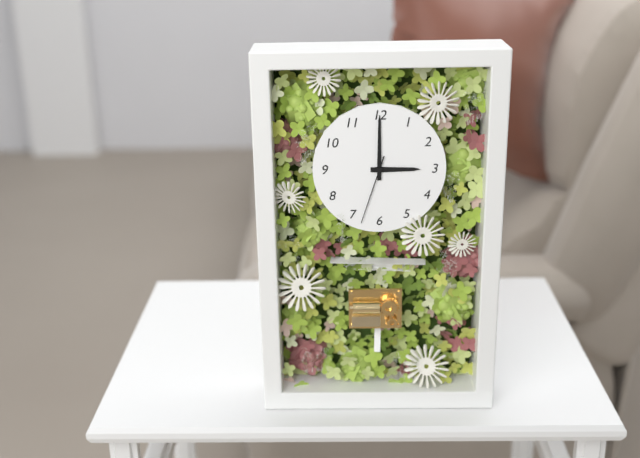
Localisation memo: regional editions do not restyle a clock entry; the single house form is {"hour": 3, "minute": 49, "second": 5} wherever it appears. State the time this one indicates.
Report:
{"hour": 3, "minute": 0, "second": 33}
